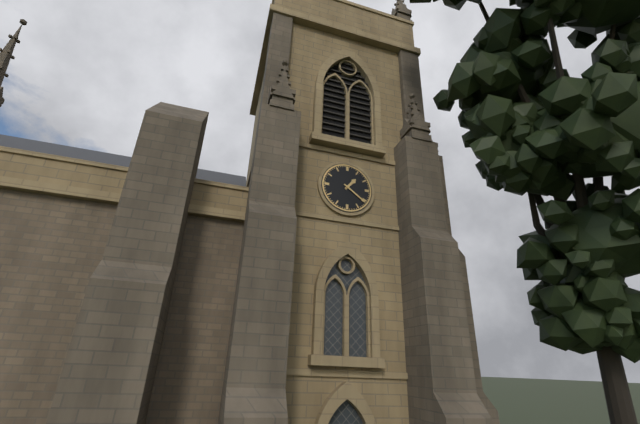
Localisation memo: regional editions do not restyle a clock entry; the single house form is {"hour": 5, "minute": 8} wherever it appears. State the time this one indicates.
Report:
{"hour": 1, "minute": 21}
